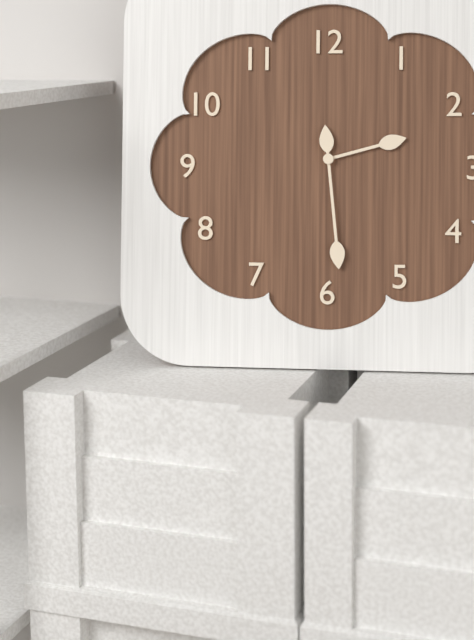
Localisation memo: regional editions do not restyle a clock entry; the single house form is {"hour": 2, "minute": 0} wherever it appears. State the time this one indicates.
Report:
{"hour": 2, "minute": 29}
